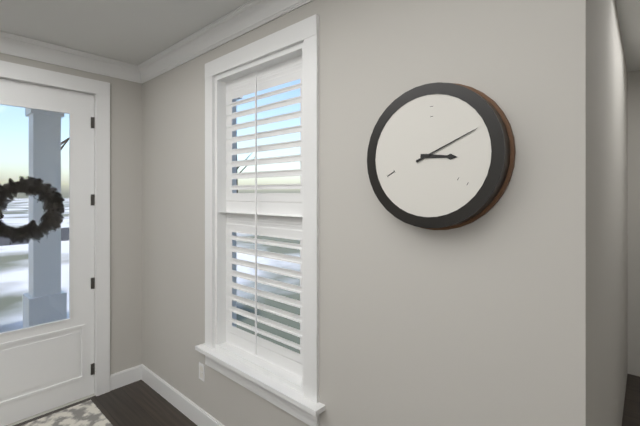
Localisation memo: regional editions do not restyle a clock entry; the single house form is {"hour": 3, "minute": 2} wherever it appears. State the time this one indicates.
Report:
{"hour": 3, "minute": 11}
